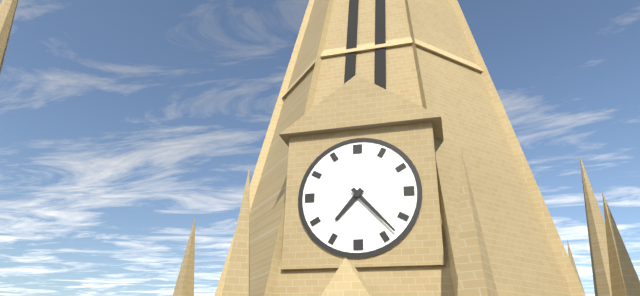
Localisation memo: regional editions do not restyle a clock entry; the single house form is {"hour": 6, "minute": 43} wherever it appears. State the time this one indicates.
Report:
{"hour": 7, "minute": 23}
